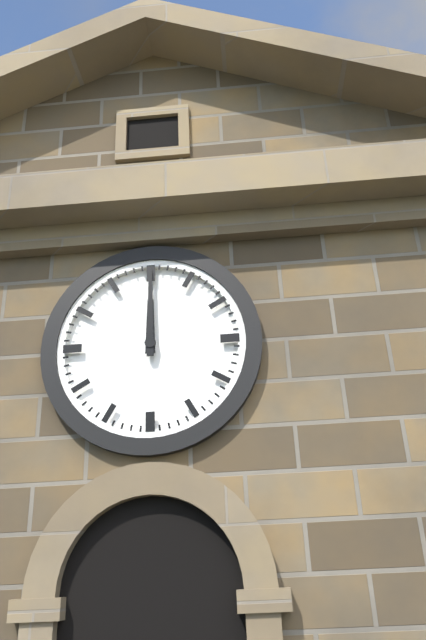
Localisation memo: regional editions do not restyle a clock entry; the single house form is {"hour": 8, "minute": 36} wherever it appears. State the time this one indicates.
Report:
{"hour": 12, "minute": 0}
